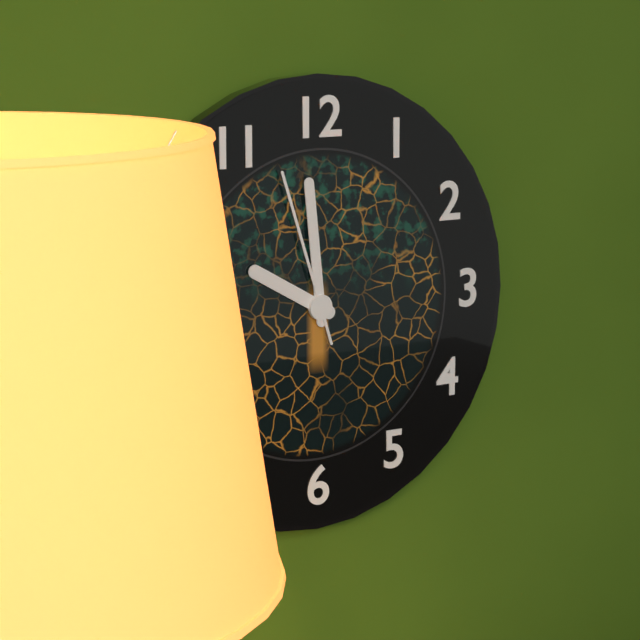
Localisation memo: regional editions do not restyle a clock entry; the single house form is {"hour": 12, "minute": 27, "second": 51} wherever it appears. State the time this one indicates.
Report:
{"hour": 9, "minute": 59, "second": 57}
